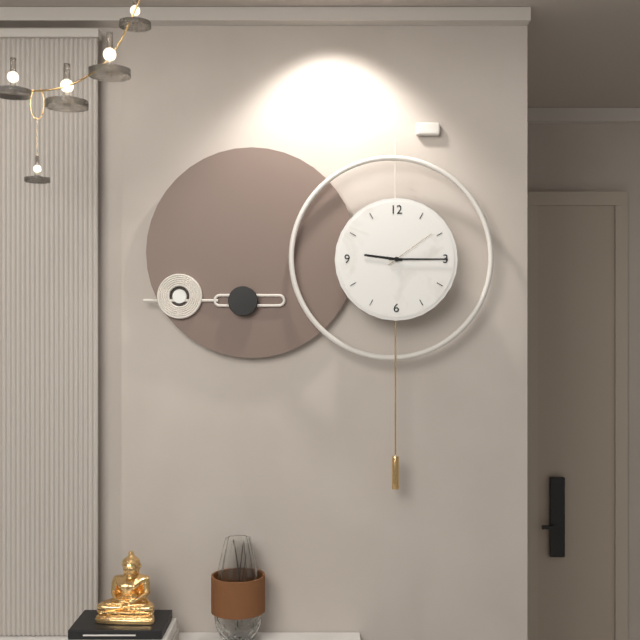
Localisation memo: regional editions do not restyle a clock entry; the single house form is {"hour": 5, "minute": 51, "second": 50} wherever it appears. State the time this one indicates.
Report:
{"hour": 9, "minute": 15, "second": 9}
